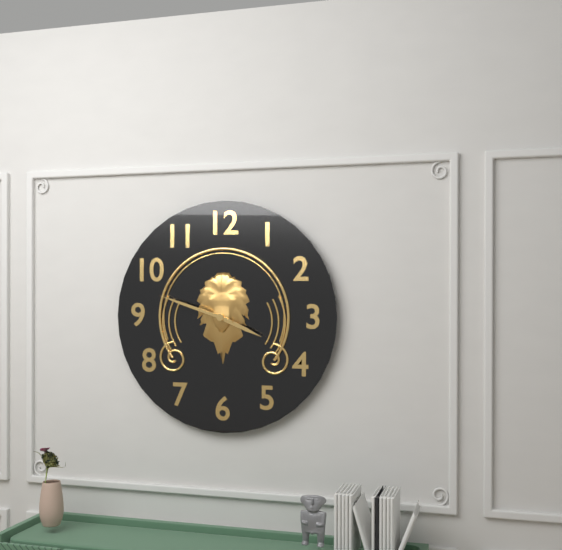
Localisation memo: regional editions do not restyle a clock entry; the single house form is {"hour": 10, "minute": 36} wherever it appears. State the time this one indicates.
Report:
{"hour": 3, "minute": 48}
